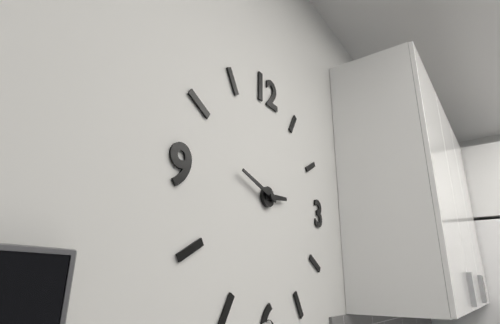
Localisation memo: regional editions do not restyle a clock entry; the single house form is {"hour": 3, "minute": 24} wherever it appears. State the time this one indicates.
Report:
{"hour": 2, "minute": 48}
